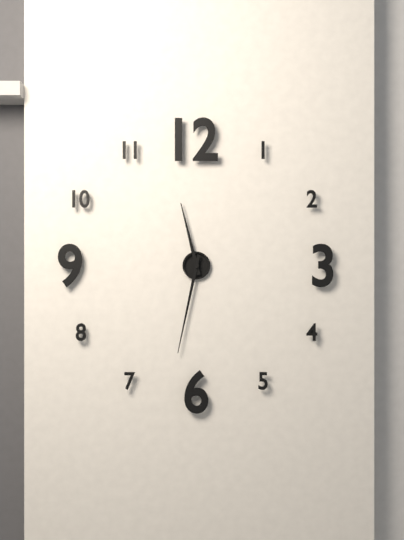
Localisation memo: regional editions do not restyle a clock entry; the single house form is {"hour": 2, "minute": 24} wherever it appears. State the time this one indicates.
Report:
{"hour": 11, "minute": 32}
